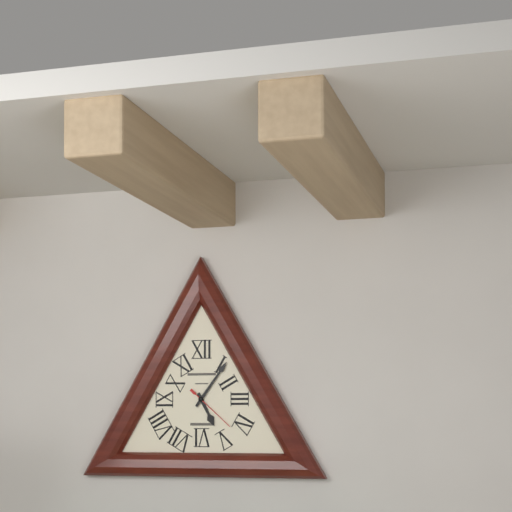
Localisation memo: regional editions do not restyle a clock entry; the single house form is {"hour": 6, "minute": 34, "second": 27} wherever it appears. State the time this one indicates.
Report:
{"hour": 5, "minute": 6, "second": 22}
